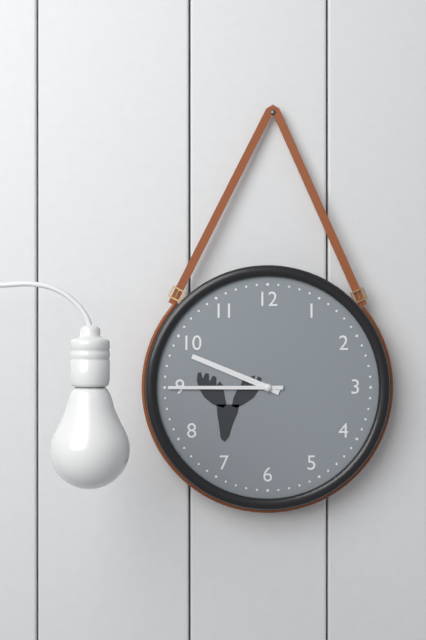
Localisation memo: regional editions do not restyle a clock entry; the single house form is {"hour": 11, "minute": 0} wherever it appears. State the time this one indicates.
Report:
{"hour": 9, "minute": 45}
